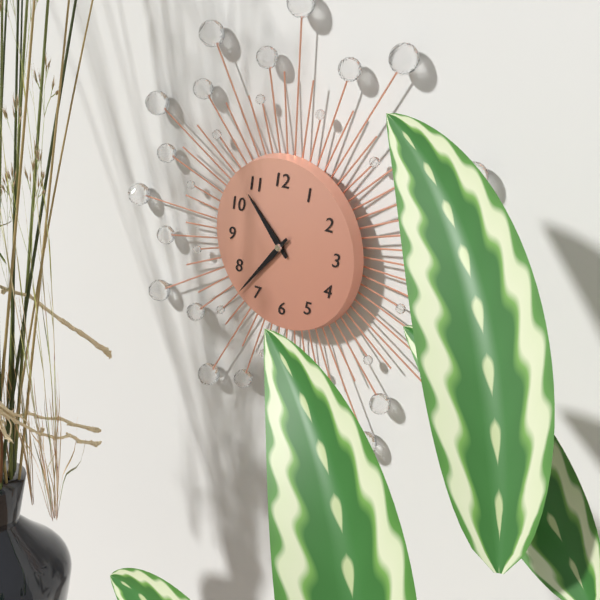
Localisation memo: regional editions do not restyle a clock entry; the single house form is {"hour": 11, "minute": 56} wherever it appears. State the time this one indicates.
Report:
{"hour": 10, "minute": 37}
